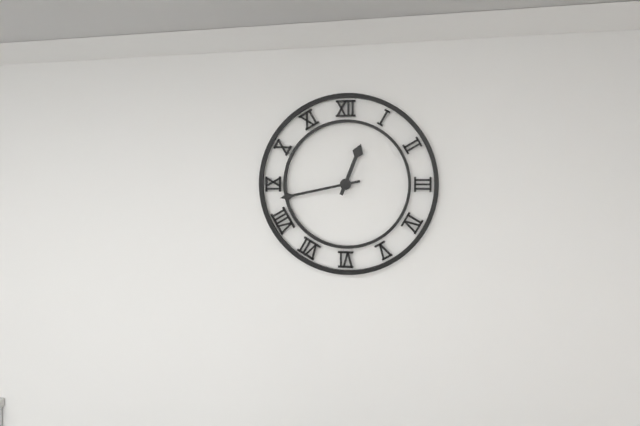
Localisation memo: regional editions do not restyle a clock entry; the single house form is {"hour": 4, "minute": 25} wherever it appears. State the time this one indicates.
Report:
{"hour": 12, "minute": 43}
